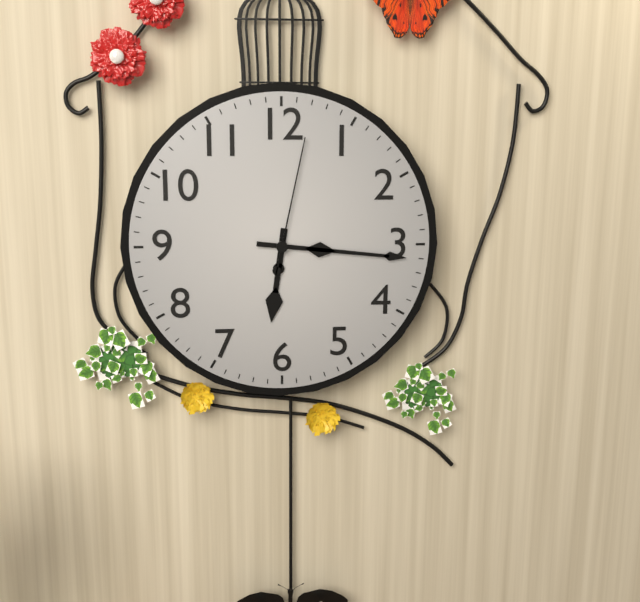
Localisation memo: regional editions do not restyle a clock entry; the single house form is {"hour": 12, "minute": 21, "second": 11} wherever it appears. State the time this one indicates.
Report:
{"hour": 6, "minute": 16, "second": 2}
